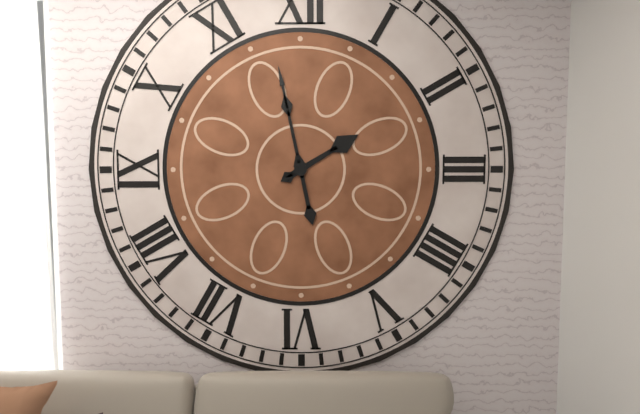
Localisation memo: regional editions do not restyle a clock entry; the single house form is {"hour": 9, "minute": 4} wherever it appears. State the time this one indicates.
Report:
{"hour": 1, "minute": 58}
